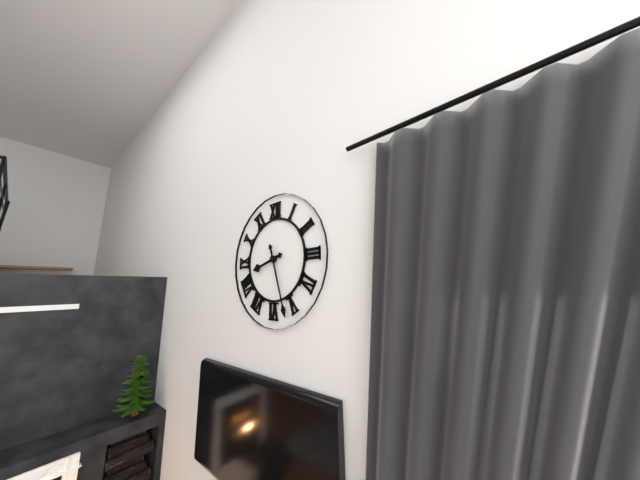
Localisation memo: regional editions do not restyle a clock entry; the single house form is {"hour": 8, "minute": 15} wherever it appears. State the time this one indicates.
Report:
{"hour": 8, "minute": 27}
